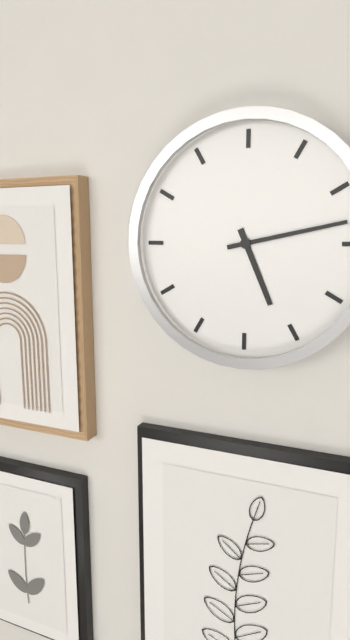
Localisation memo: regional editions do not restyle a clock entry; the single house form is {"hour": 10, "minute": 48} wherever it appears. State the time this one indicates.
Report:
{"hour": 5, "minute": 13}
